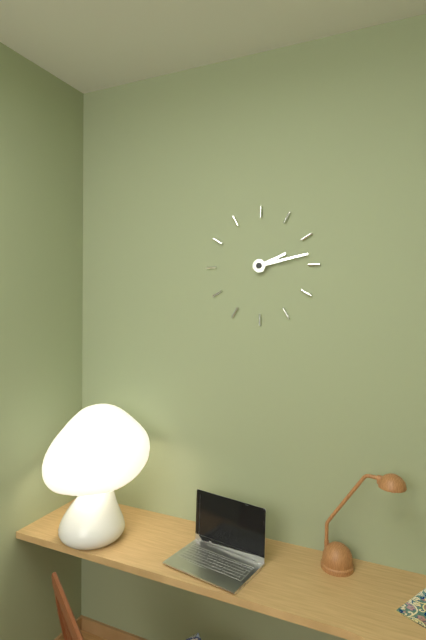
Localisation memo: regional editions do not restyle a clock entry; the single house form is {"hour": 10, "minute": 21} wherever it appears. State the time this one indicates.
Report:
{"hour": 2, "minute": 13}
